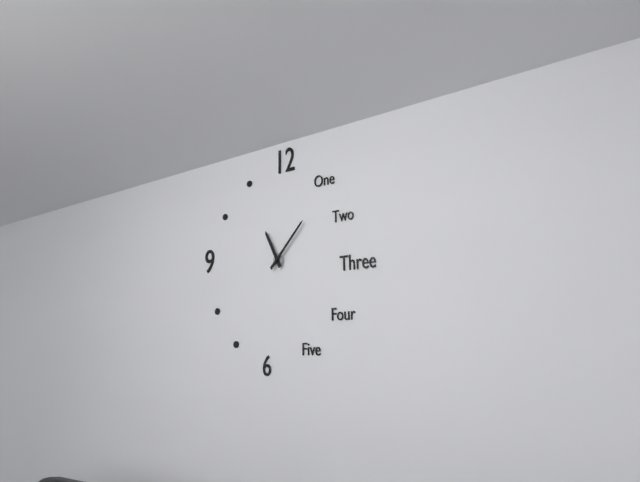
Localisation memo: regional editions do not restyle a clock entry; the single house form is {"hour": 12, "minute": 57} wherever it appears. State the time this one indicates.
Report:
{"hour": 11, "minute": 7}
